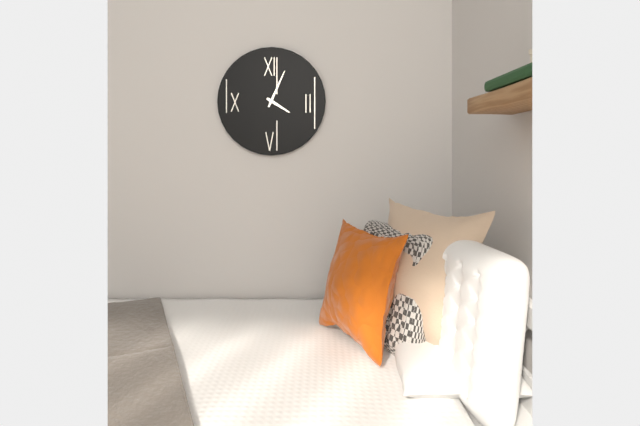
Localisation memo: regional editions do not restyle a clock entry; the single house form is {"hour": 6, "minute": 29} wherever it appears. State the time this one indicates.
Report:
{"hour": 4, "minute": 4}
